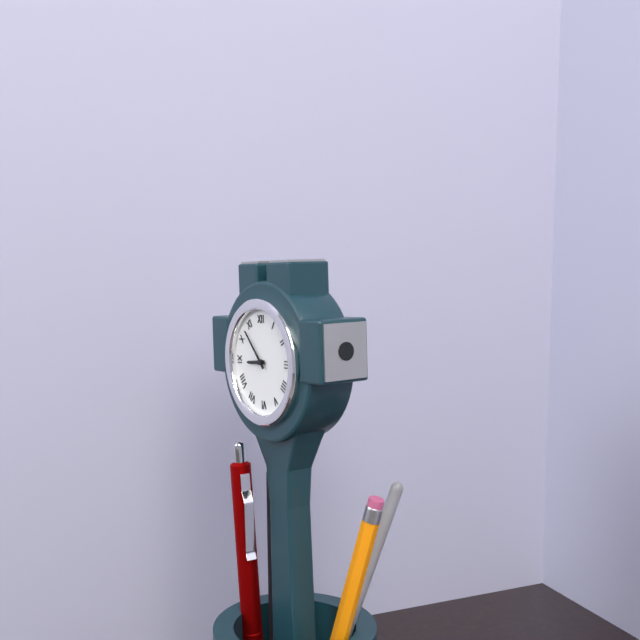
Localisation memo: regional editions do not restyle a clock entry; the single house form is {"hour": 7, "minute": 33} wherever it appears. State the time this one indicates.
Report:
{"hour": 8, "minute": 53}
